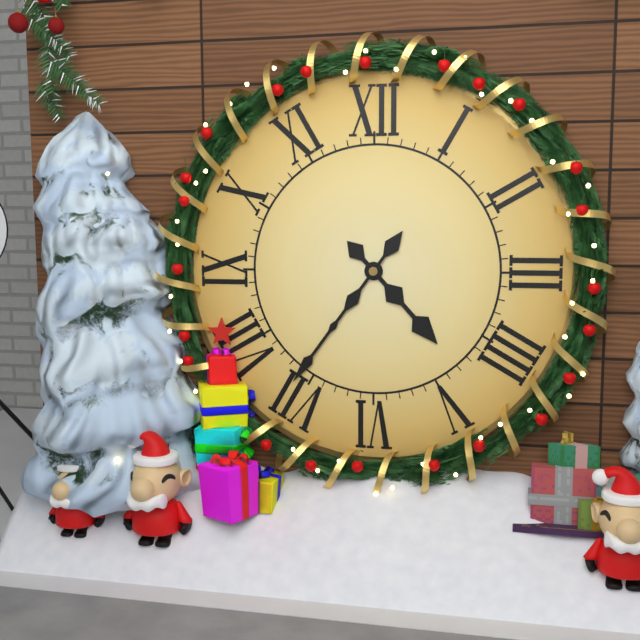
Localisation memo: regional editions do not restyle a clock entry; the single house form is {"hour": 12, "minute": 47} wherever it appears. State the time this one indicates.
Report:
{"hour": 4, "minute": 36}
